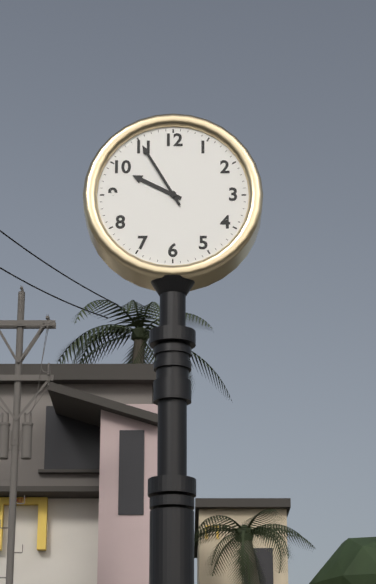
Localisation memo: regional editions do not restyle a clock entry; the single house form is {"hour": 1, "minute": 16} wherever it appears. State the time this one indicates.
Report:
{"hour": 9, "minute": 55}
